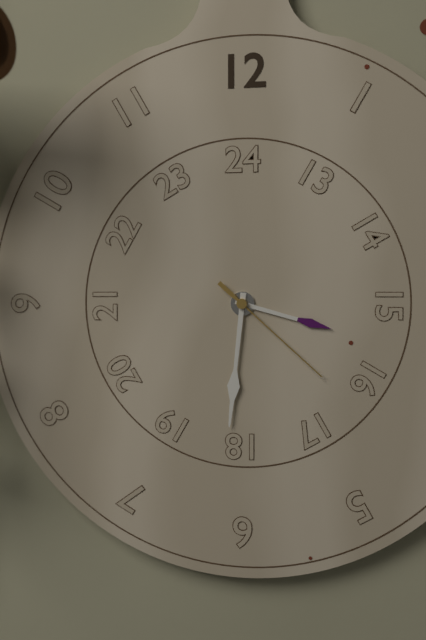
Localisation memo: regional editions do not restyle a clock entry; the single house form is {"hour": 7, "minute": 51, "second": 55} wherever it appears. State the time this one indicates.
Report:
{"hour": 3, "minute": 31, "second": 22}
